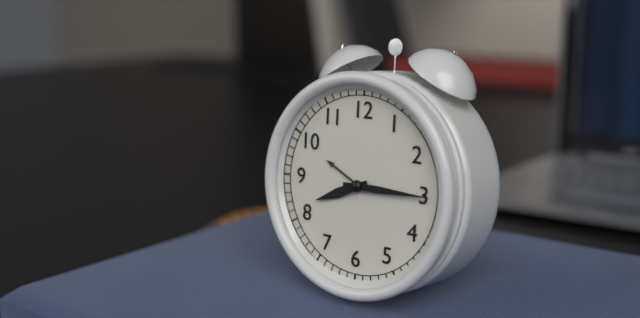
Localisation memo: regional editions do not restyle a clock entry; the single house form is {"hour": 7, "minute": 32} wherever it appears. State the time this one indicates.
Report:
{"hour": 8, "minute": 15}
